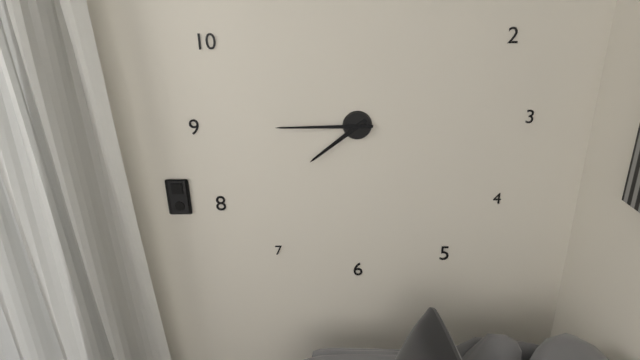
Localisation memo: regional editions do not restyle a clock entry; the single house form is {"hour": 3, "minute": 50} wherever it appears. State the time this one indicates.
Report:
{"hour": 7, "minute": 45}
